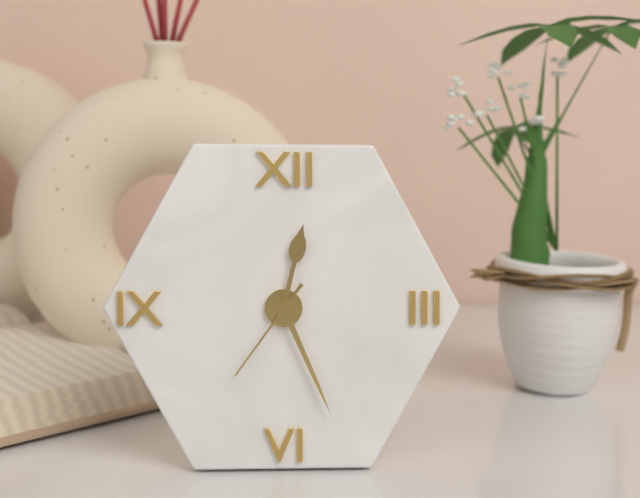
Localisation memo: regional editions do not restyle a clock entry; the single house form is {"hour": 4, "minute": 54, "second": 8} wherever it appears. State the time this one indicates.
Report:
{"hour": 12, "minute": 26, "second": 36}
